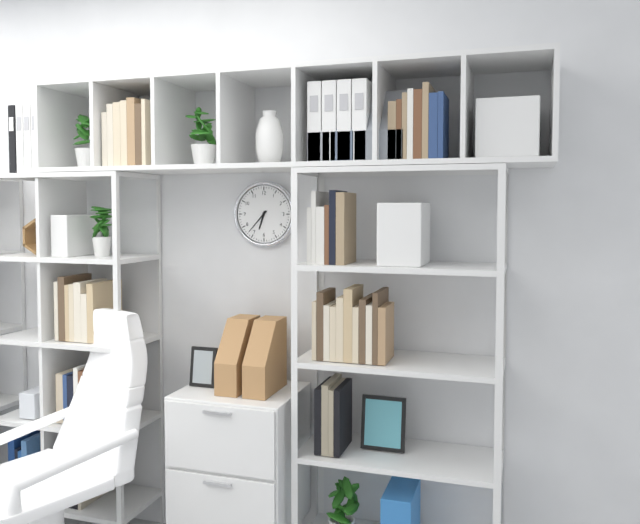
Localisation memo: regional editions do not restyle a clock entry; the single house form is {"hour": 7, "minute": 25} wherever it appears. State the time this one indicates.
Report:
{"hour": 6, "minute": 37}
